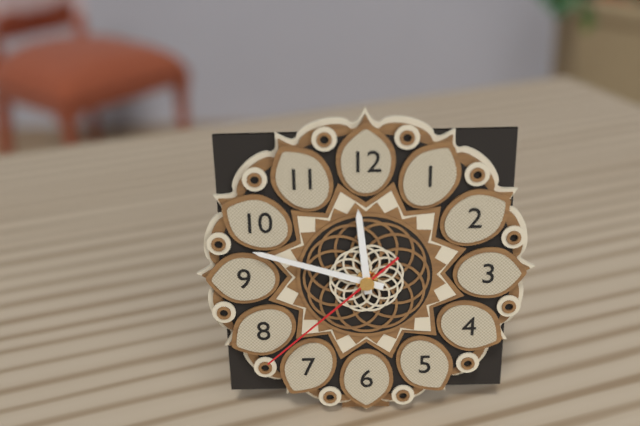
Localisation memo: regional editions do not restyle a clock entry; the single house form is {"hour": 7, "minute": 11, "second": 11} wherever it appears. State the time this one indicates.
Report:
{"hour": 11, "minute": 48, "second": 38}
